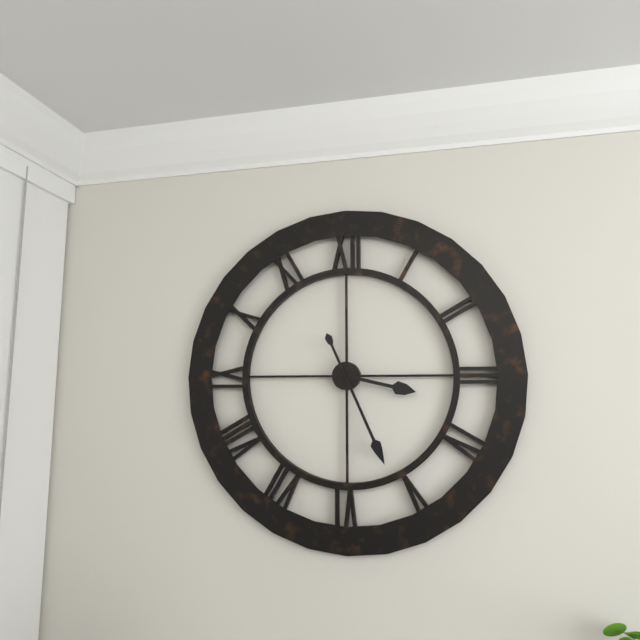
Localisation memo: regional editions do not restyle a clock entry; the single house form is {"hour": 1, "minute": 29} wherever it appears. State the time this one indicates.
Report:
{"hour": 3, "minute": 26}
